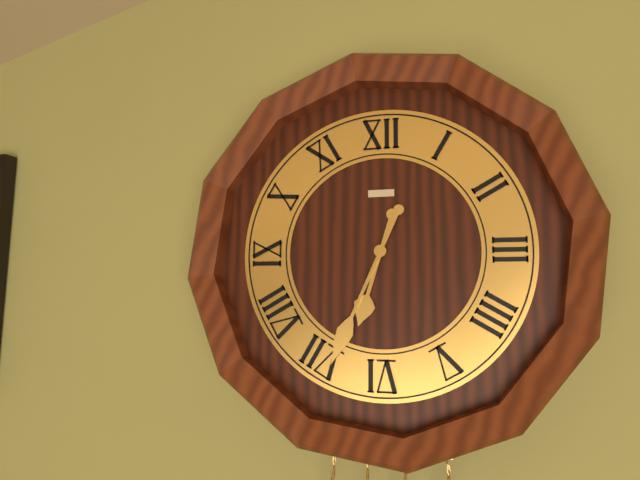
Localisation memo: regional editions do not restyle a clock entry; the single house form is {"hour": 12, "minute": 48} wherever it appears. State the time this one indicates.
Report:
{"hour": 6, "minute": 34}
